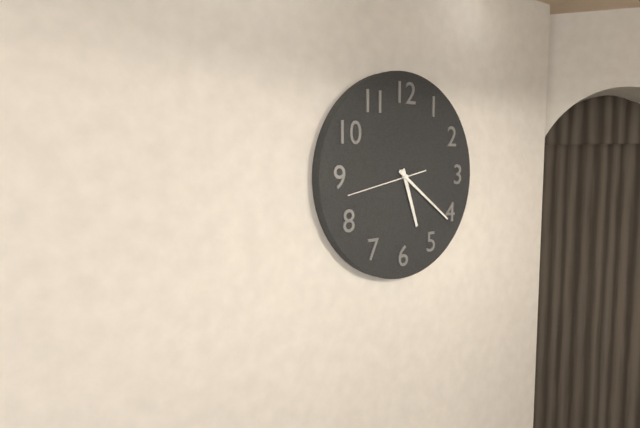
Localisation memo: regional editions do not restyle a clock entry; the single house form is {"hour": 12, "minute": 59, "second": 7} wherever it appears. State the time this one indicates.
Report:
{"hour": 5, "minute": 21, "second": 43}
